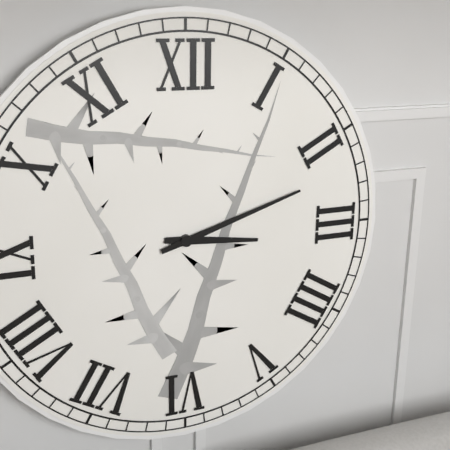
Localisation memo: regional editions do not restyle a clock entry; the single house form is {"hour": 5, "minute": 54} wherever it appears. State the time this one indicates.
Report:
{"hour": 3, "minute": 12}
